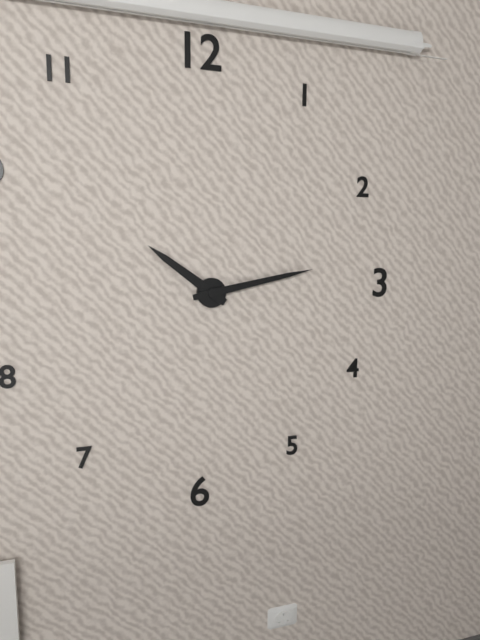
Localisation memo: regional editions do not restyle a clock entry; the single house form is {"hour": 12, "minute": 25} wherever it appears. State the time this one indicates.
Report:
{"hour": 10, "minute": 13}
